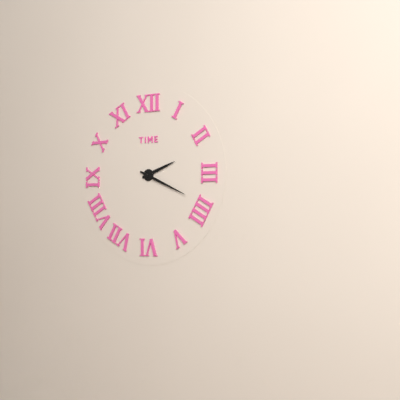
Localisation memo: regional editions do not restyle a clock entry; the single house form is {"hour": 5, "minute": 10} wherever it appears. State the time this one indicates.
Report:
{"hour": 2, "minute": 19}
